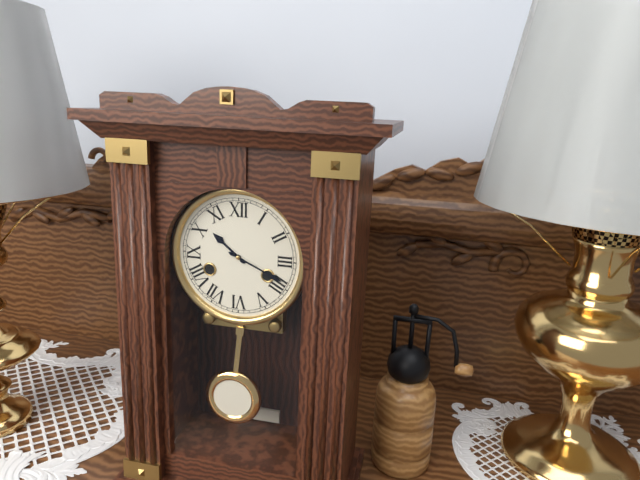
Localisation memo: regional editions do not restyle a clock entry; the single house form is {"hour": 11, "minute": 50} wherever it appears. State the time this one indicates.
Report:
{"hour": 10, "minute": 19}
